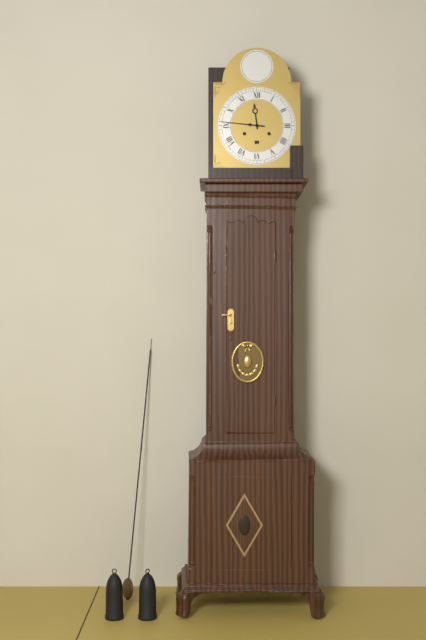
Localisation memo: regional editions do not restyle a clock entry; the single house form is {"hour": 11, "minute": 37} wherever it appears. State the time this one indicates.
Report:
{"hour": 11, "minute": 46}
